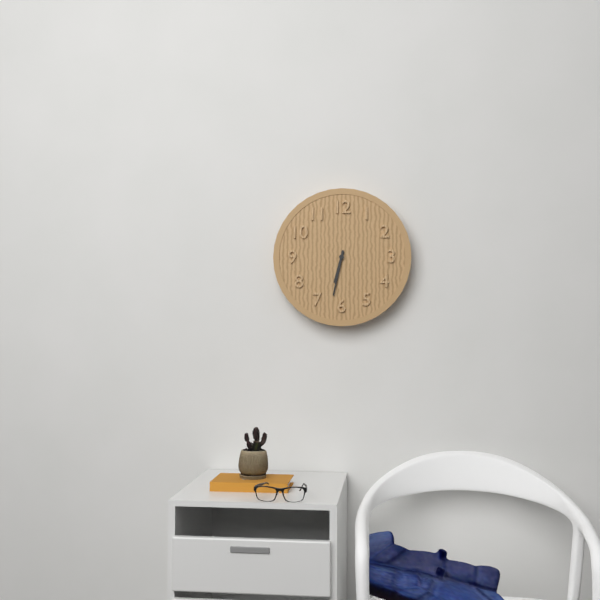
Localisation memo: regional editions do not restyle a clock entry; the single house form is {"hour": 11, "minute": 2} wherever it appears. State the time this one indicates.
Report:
{"hour": 6, "minute": 32}
